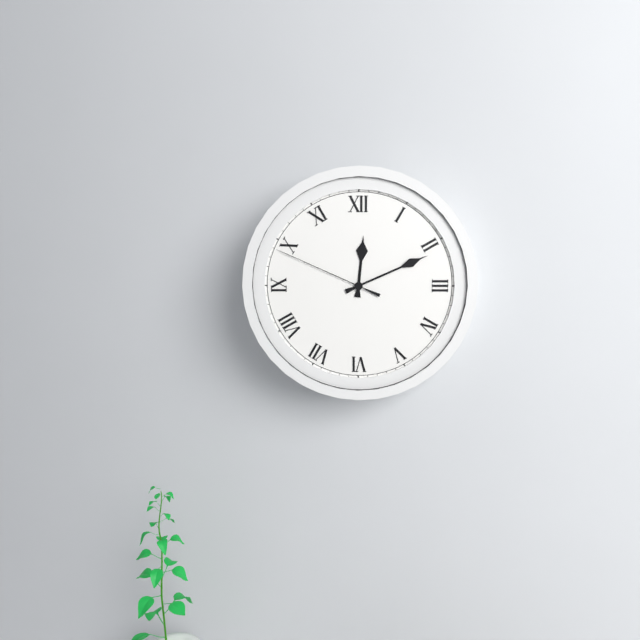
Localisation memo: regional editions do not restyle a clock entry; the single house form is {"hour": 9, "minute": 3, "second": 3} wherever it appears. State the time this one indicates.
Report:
{"hour": 12, "minute": 11, "second": 49}
